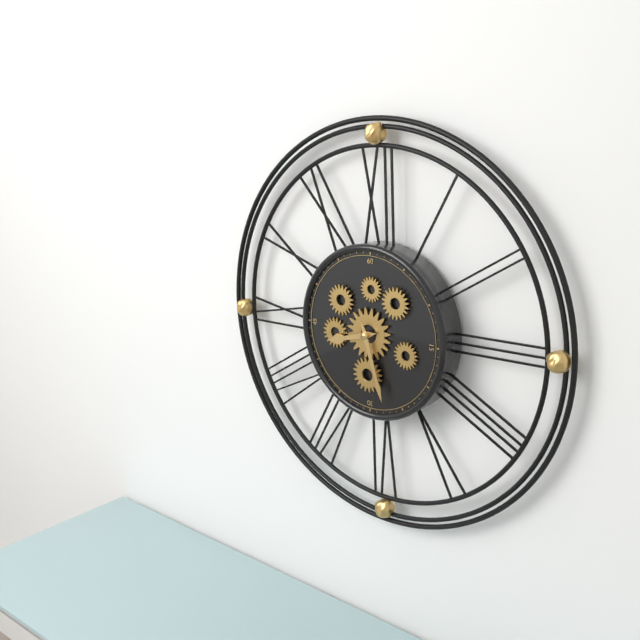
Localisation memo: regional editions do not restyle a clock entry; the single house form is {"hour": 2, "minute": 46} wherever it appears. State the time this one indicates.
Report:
{"hour": 8, "minute": 27}
